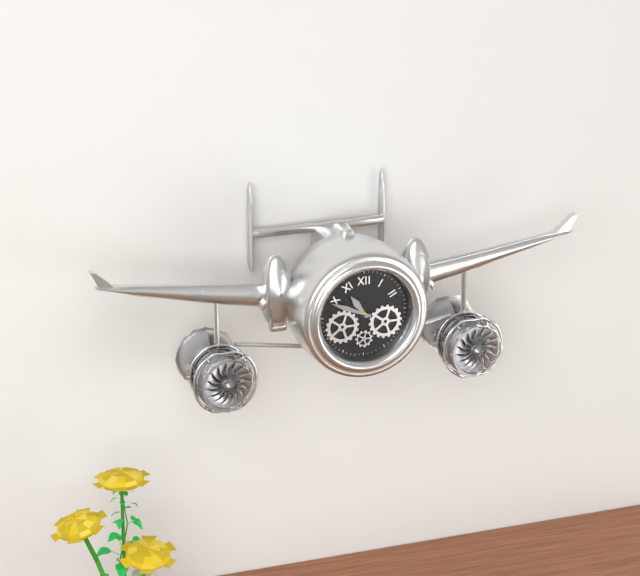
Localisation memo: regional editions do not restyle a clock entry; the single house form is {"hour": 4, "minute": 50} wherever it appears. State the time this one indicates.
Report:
{"hour": 10, "minute": 49}
